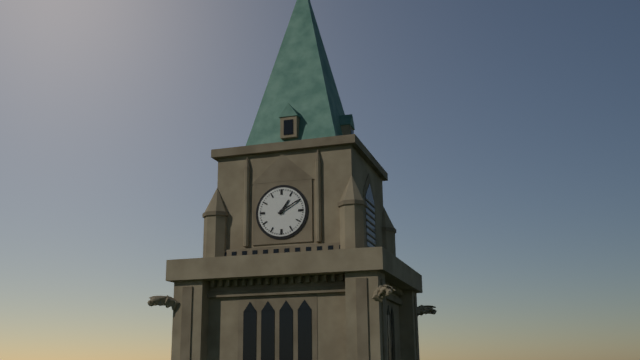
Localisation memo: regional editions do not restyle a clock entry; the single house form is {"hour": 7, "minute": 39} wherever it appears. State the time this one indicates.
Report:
{"hour": 1, "minute": 10}
